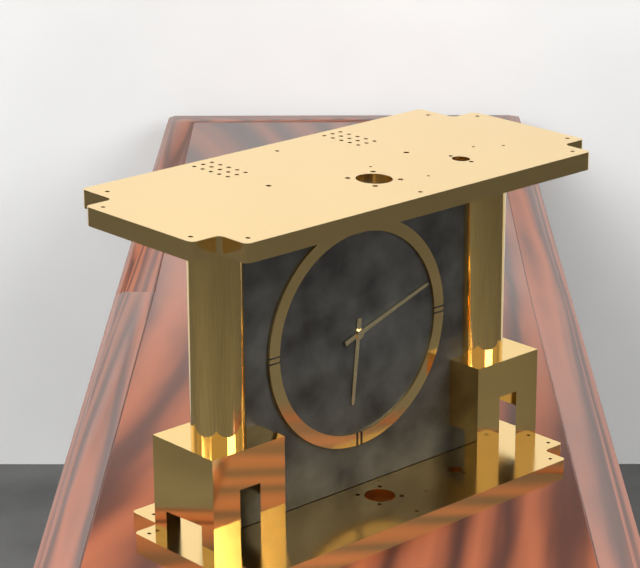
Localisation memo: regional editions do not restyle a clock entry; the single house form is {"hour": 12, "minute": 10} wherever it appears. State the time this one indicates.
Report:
{"hour": 6, "minute": 12}
